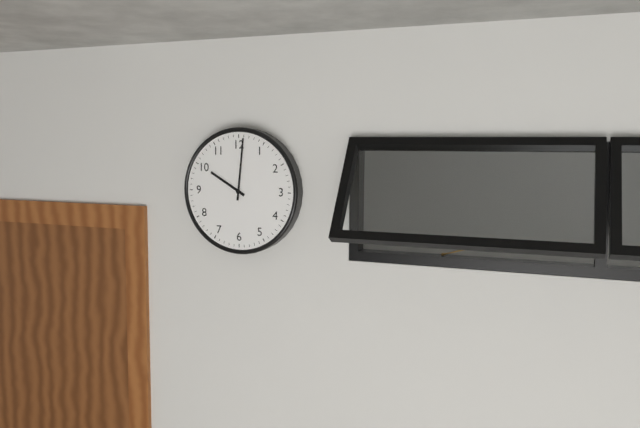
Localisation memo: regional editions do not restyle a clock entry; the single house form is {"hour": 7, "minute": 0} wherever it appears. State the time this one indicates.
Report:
{"hour": 10, "minute": 1}
